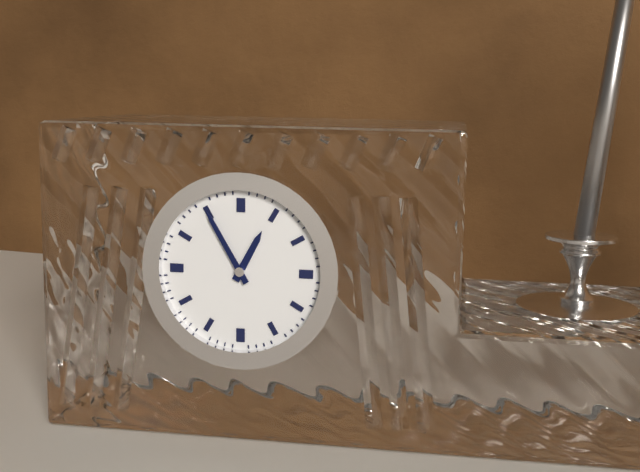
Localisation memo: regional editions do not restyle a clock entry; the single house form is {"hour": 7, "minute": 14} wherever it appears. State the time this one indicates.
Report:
{"hour": 12, "minute": 55}
